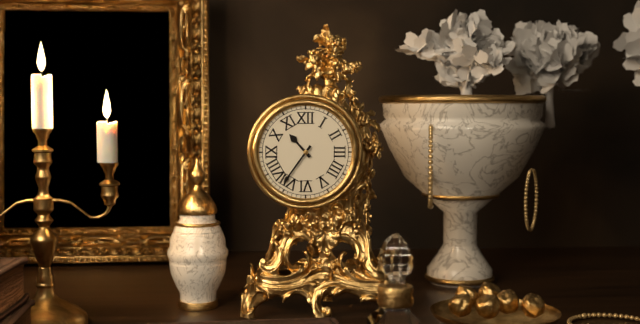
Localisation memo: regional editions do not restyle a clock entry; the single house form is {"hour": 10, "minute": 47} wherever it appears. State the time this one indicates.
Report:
{"hour": 10, "minute": 36}
